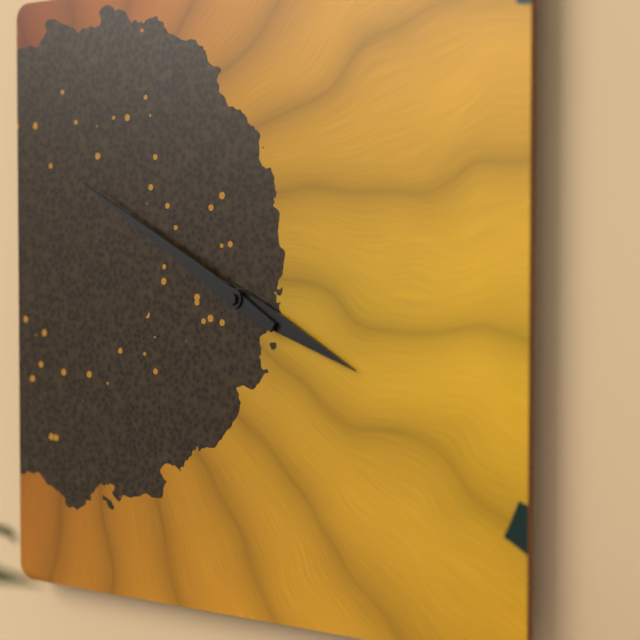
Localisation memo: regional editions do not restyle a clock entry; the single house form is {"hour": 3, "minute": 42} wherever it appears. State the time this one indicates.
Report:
{"hour": 3, "minute": 50}
